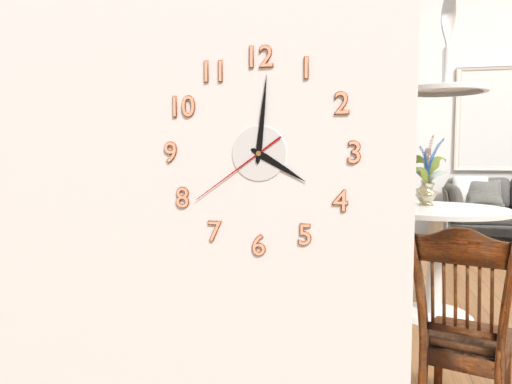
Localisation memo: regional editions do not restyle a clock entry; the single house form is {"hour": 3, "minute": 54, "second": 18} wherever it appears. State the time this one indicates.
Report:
{"hour": 4, "minute": 1, "second": 39}
